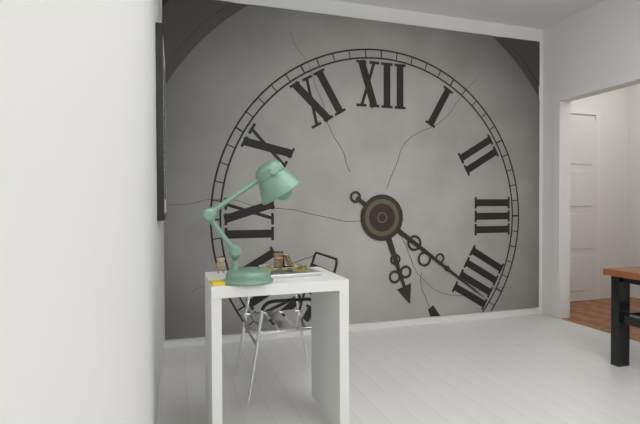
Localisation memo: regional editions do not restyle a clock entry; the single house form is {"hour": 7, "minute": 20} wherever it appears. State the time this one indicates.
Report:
{"hour": 5, "minute": 21}
